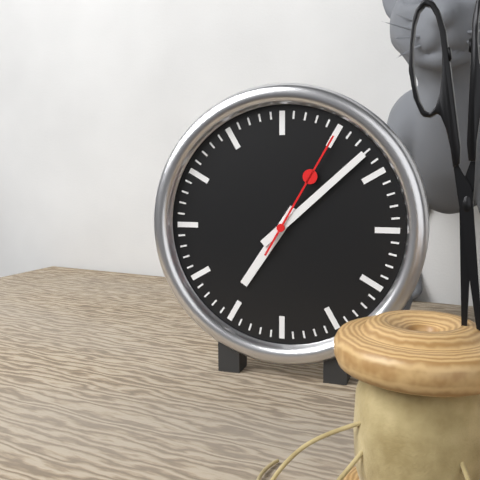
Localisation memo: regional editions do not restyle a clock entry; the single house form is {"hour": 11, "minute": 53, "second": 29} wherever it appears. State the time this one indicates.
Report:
{"hour": 7, "minute": 8, "second": 5}
